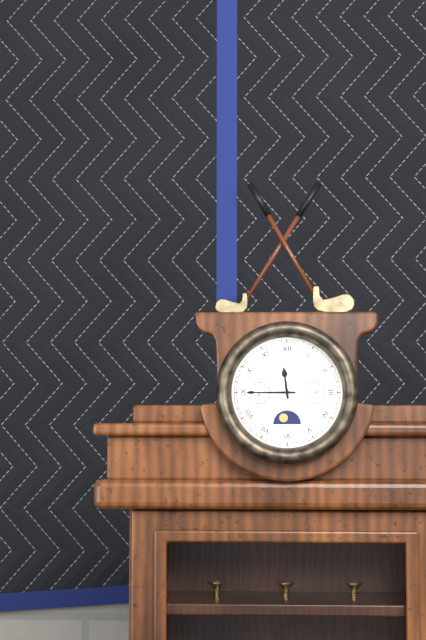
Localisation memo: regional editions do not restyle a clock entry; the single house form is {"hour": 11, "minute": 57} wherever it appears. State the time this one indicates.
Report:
{"hour": 11, "minute": 45}
